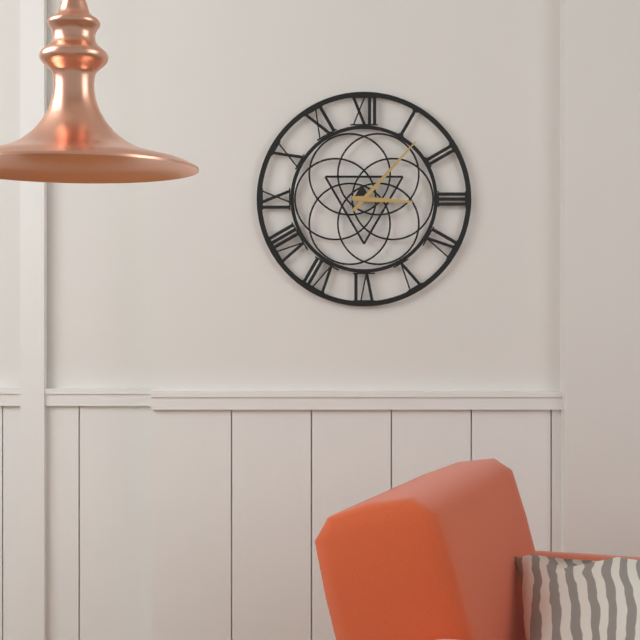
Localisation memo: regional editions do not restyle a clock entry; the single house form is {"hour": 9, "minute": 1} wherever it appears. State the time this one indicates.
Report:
{"hour": 3, "minute": 7}
